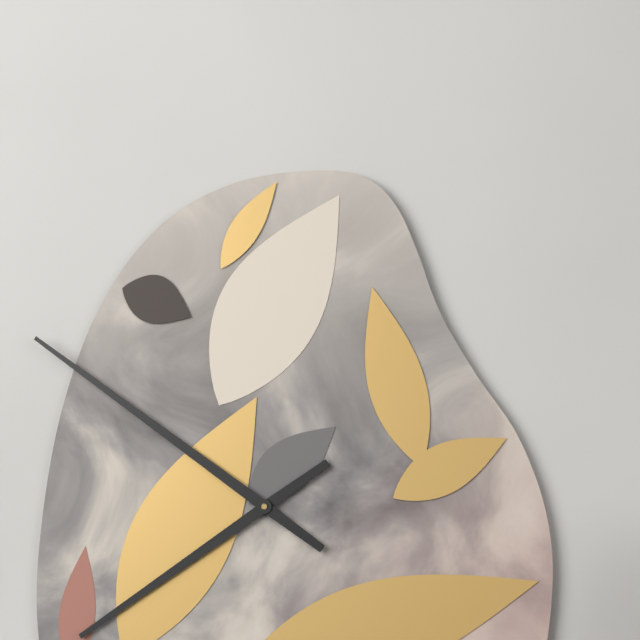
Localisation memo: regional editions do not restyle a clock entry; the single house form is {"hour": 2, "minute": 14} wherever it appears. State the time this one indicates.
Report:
{"hour": 7, "minute": 51}
